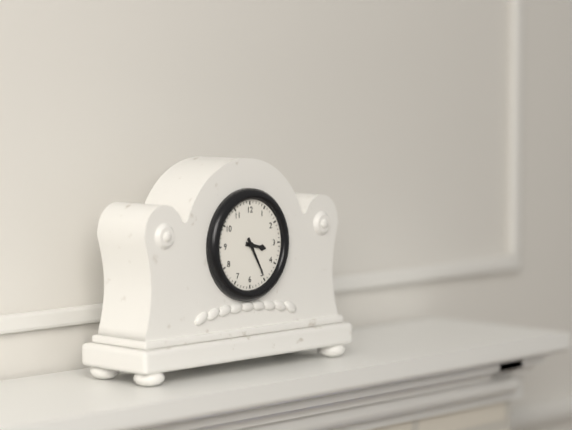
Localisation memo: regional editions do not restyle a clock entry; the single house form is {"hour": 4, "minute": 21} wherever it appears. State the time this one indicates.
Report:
{"hour": 3, "minute": 25}
